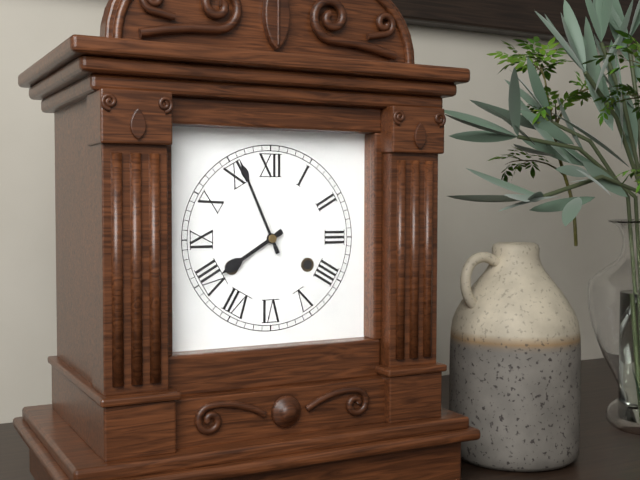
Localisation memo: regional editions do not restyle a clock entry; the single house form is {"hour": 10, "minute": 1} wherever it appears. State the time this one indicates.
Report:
{"hour": 7, "minute": 56}
